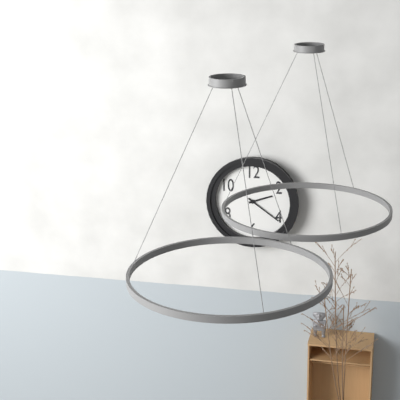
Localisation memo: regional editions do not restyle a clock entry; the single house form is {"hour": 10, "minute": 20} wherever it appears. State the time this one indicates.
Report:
{"hour": 2, "minute": 21}
